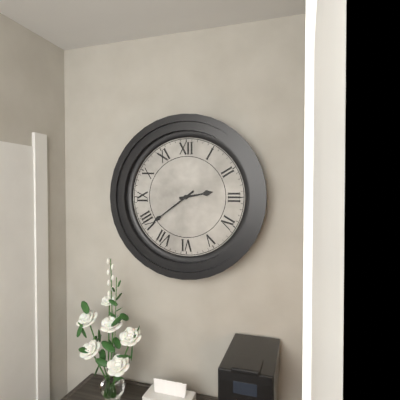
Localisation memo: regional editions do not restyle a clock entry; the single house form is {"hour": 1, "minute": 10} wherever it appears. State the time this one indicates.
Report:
{"hour": 2, "minute": 39}
